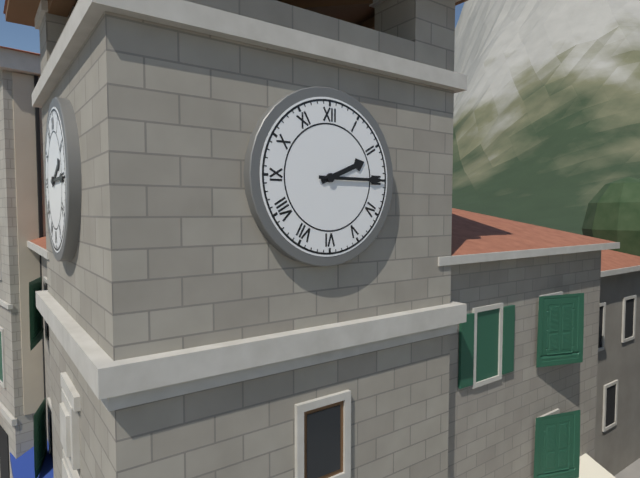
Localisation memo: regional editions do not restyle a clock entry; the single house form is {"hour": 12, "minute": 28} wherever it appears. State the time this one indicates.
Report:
{"hour": 2, "minute": 15}
